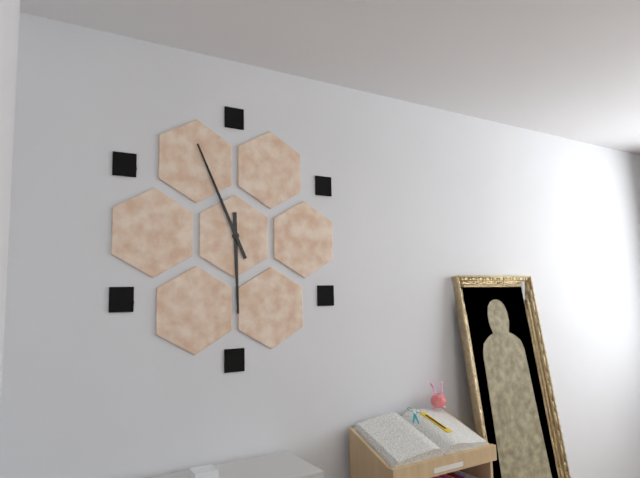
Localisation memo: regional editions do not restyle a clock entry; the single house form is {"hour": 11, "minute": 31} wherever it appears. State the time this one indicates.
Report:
{"hour": 5, "minute": 56}
